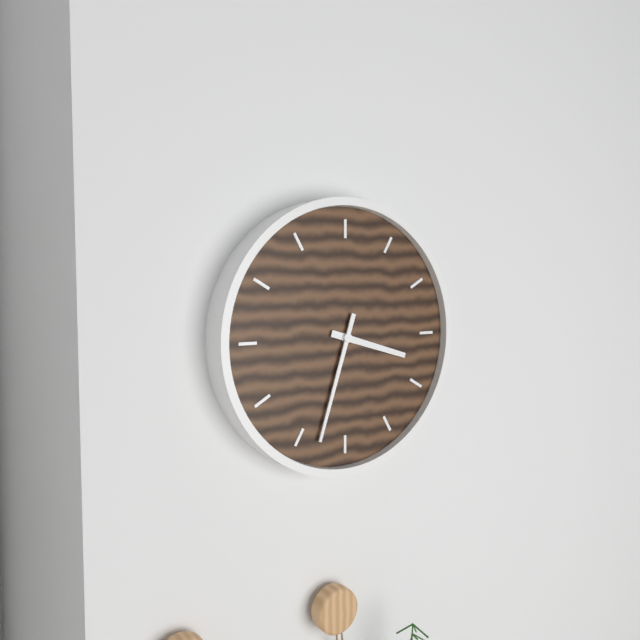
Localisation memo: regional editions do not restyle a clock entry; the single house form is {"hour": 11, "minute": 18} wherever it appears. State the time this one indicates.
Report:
{"hour": 3, "minute": 33}
